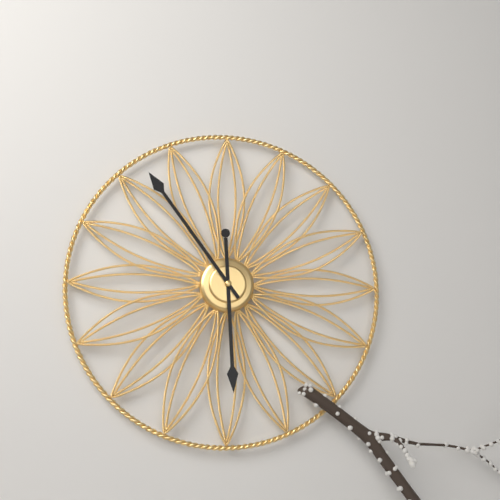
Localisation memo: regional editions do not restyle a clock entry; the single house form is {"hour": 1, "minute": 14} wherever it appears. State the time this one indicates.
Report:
{"hour": 5, "minute": 54}
